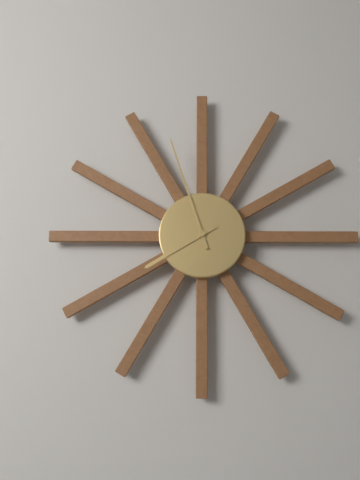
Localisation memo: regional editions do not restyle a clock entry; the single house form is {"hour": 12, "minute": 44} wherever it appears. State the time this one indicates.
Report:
{"hour": 7, "minute": 57}
